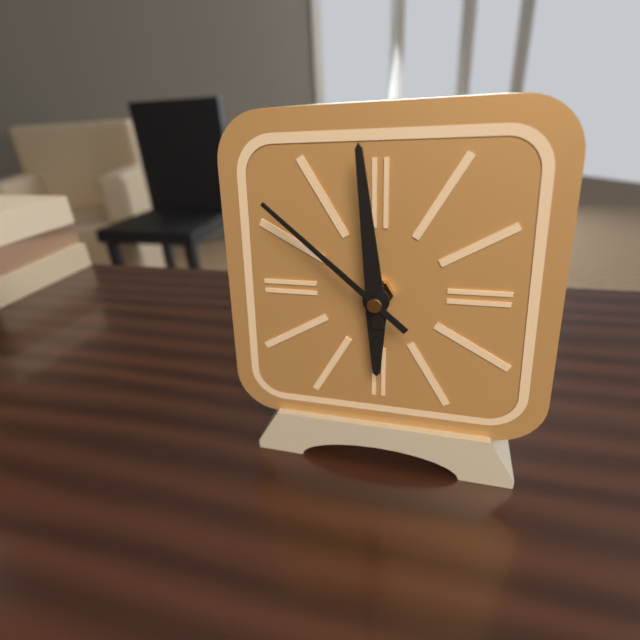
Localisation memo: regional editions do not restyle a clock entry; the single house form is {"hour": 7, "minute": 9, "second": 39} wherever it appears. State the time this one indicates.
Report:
{"hour": 5, "minute": 59, "second": 52}
